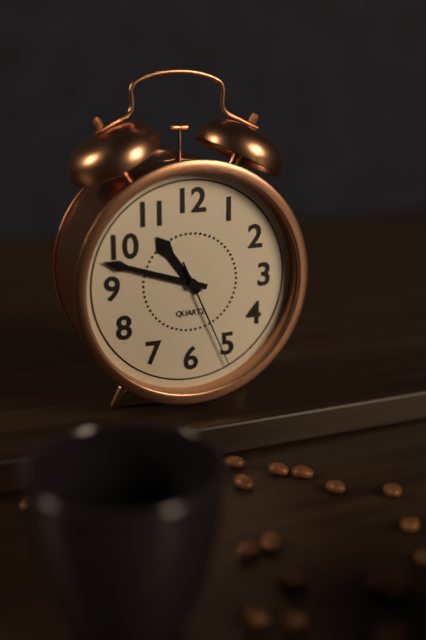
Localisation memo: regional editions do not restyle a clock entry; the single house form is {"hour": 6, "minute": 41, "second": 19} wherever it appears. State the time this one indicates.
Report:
{"hour": 10, "minute": 48, "second": 26}
